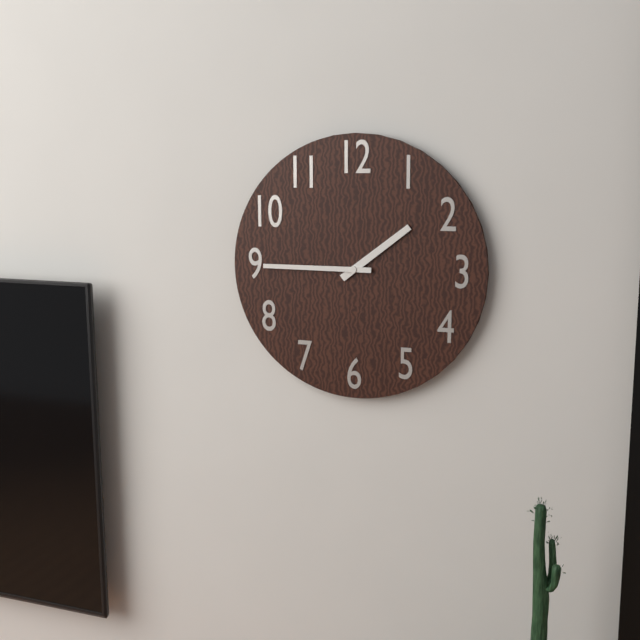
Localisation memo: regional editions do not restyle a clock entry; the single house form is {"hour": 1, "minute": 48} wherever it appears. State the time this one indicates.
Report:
{"hour": 1, "minute": 45}
